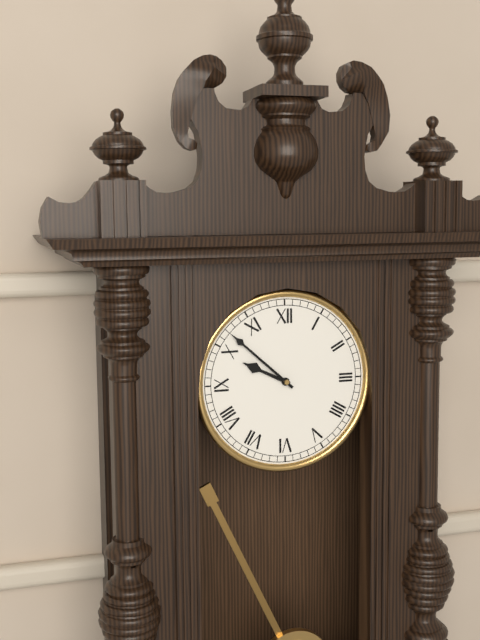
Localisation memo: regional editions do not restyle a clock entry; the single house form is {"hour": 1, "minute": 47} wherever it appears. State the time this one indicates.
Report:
{"hour": 9, "minute": 52}
